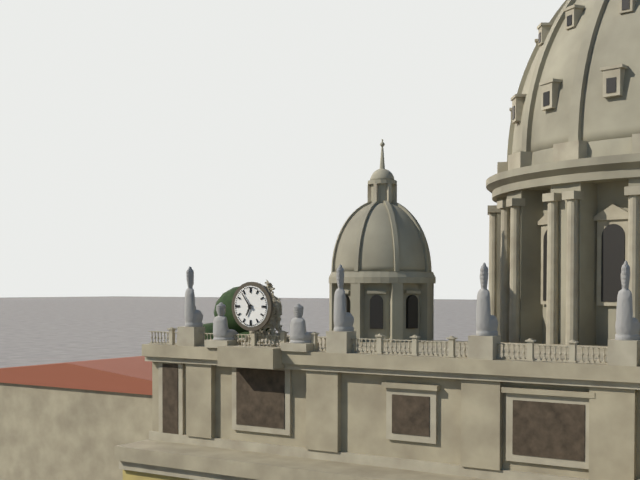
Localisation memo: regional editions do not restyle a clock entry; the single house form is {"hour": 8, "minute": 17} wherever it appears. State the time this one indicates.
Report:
{"hour": 6, "minute": 54}
